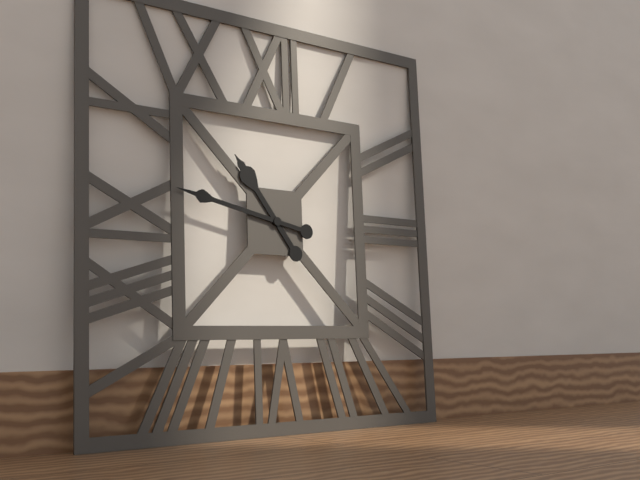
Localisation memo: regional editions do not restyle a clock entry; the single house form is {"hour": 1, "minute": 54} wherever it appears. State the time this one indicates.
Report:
{"hour": 10, "minute": 47}
